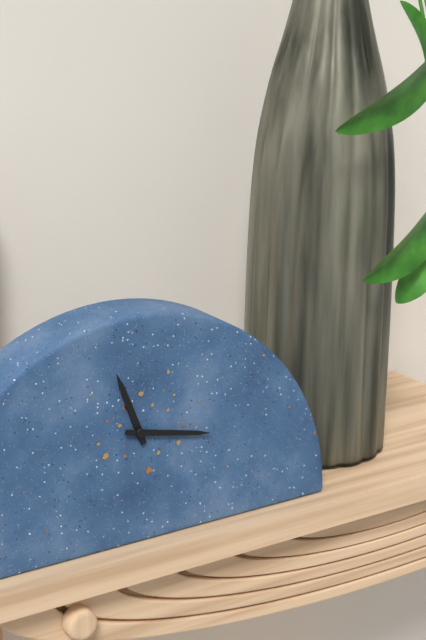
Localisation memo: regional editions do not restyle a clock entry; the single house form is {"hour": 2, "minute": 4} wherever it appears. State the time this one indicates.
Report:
{"hour": 11, "minute": 17}
